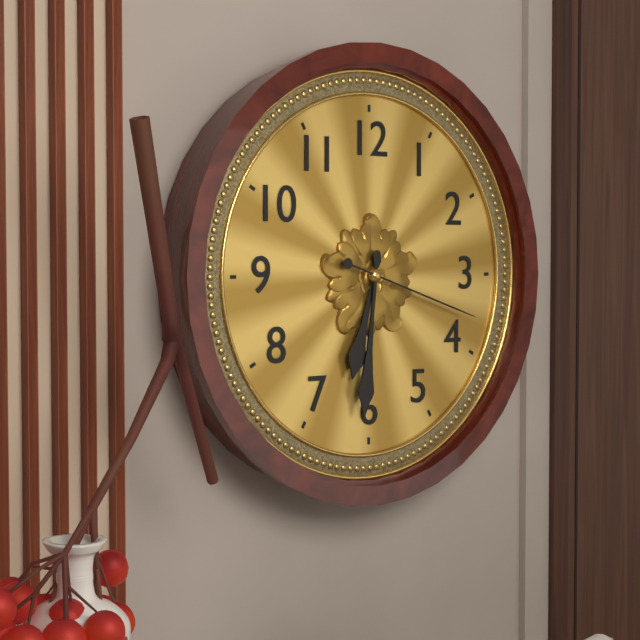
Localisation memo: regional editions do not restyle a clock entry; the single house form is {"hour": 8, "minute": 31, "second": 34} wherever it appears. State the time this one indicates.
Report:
{"hour": 6, "minute": 31, "second": 18}
